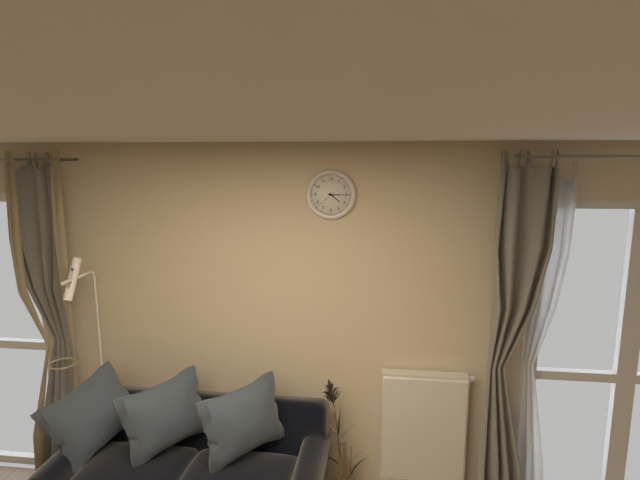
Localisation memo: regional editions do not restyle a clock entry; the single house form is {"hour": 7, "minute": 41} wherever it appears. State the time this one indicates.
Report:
{"hour": 4, "minute": 15}
